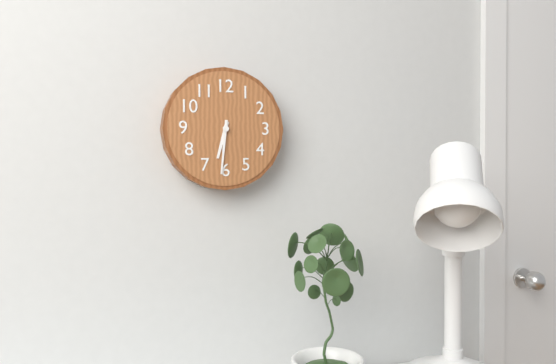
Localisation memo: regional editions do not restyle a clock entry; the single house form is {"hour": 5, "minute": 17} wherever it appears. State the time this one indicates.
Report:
{"hour": 6, "minute": 31}
